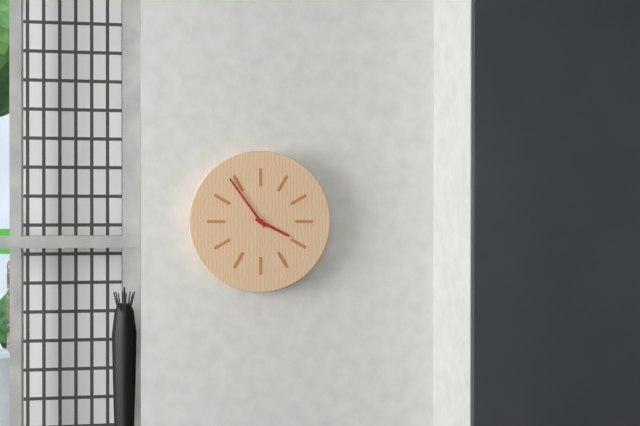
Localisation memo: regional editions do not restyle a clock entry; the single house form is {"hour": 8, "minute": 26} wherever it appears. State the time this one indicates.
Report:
{"hour": 3, "minute": 54}
